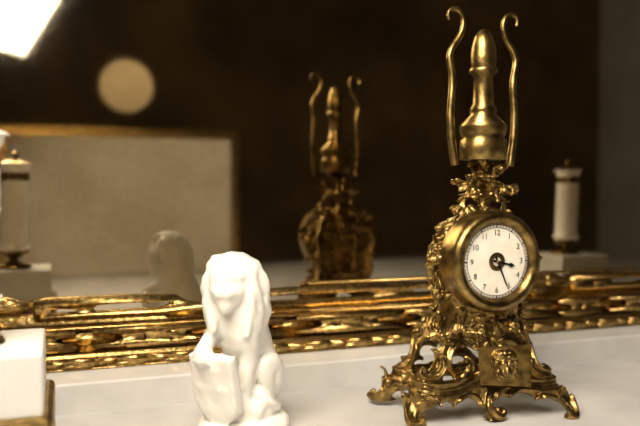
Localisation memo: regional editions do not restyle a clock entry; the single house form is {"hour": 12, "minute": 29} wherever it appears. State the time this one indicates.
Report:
{"hour": 3, "minute": 26}
